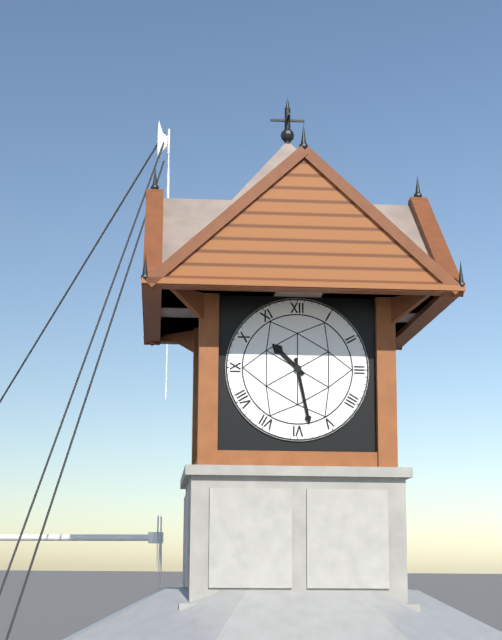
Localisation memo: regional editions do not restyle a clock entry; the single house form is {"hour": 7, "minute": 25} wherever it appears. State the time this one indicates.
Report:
{"hour": 10, "minute": 28}
